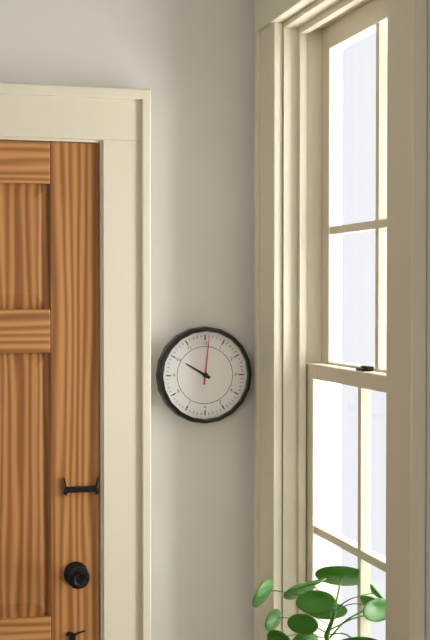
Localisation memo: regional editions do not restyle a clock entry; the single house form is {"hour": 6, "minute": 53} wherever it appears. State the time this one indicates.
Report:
{"hour": 10, "minute": 1}
